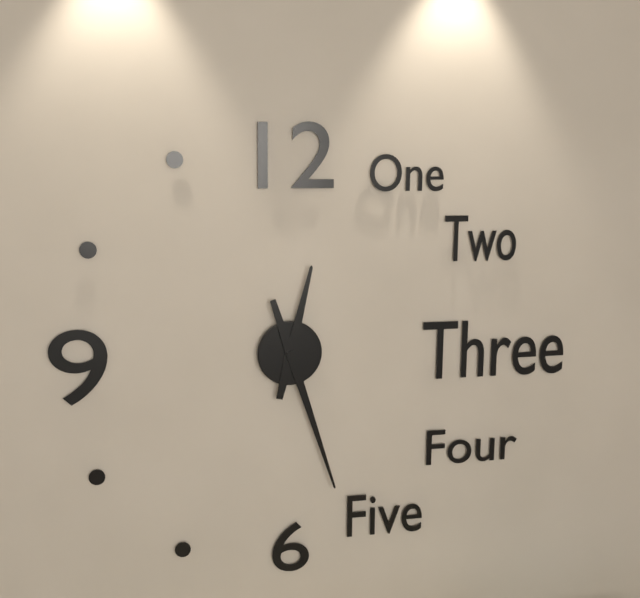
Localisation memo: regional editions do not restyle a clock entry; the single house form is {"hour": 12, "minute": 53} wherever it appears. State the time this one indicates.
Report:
{"hour": 12, "minute": 27}
